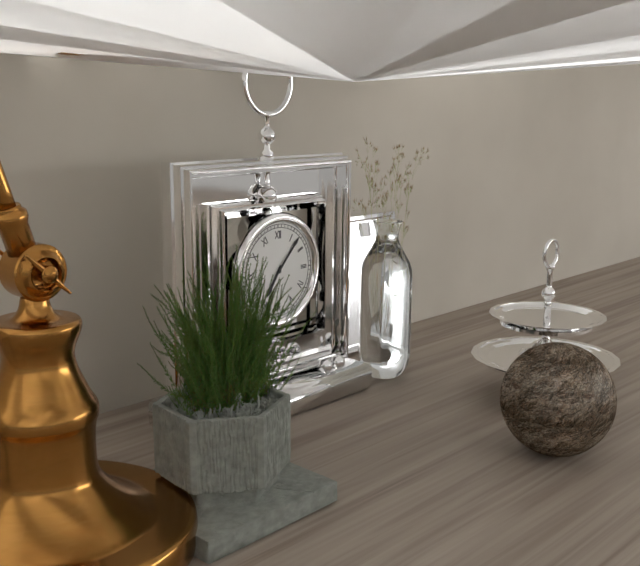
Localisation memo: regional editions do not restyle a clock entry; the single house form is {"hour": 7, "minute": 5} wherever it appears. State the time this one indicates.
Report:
{"hour": 7, "minute": 7}
